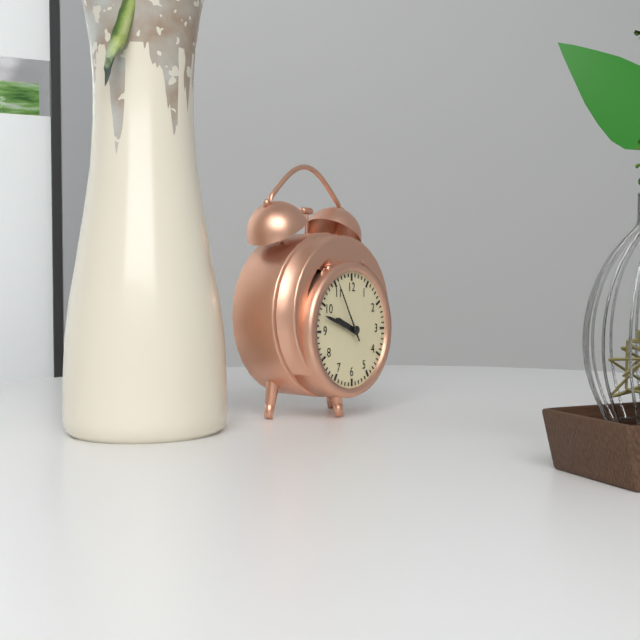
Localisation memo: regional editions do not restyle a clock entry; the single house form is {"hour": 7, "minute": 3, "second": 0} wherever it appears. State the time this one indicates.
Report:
{"hour": 9, "minute": 48, "second": 55}
